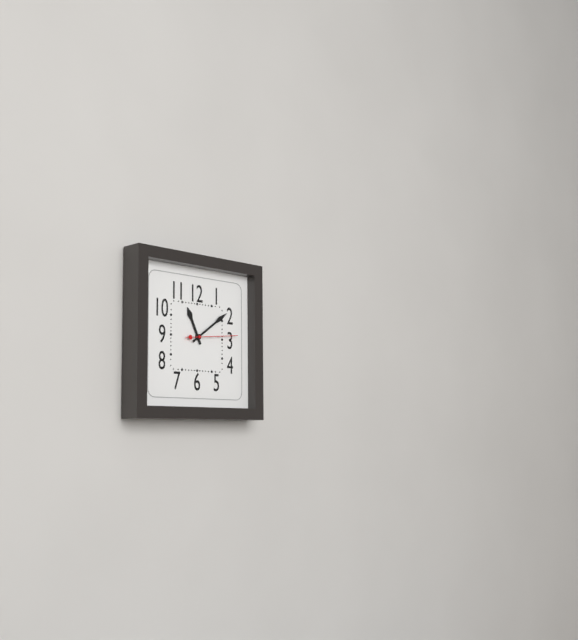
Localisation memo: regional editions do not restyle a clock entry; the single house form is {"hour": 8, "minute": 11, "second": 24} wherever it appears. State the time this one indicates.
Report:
{"hour": 11, "minute": 9, "second": 14}
